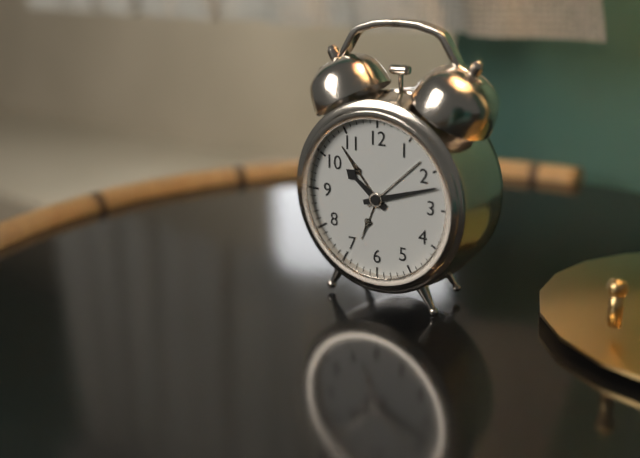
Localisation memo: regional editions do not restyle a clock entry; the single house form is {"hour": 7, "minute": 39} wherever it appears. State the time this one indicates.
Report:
{"hour": 10, "minute": 12}
